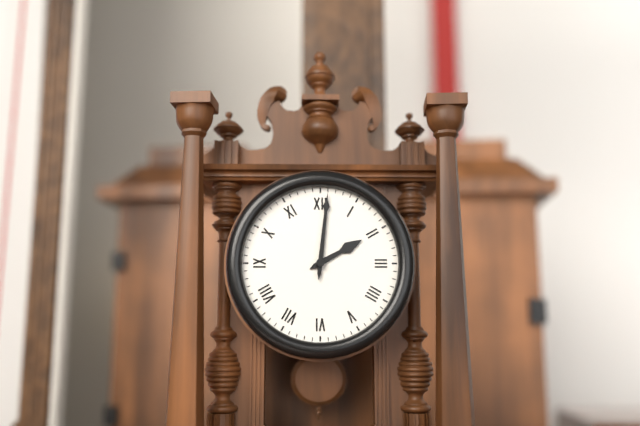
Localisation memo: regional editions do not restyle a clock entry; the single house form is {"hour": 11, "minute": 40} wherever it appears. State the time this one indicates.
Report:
{"hour": 2, "minute": 1}
